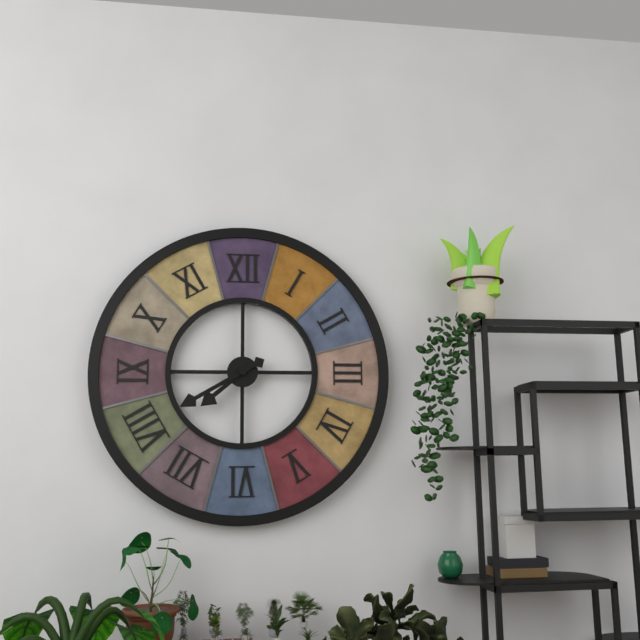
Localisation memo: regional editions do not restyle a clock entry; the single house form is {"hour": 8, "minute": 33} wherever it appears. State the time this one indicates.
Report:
{"hour": 7, "minute": 40}
